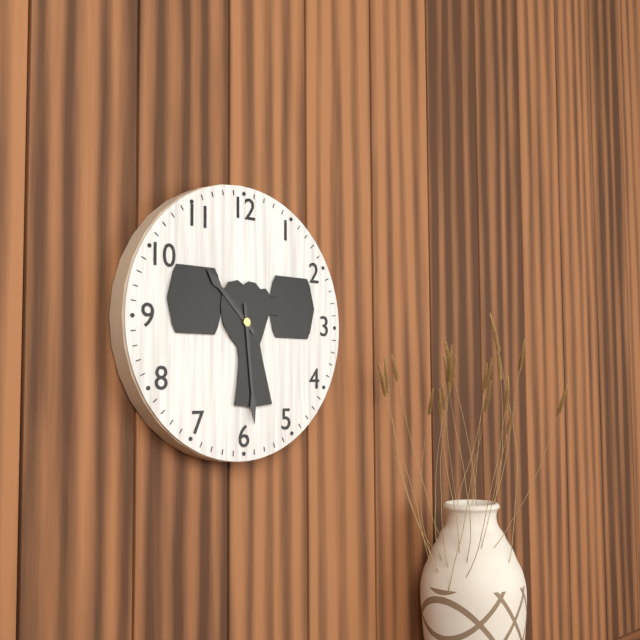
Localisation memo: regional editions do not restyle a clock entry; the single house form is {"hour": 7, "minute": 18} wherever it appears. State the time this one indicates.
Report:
{"hour": 10, "minute": 29}
